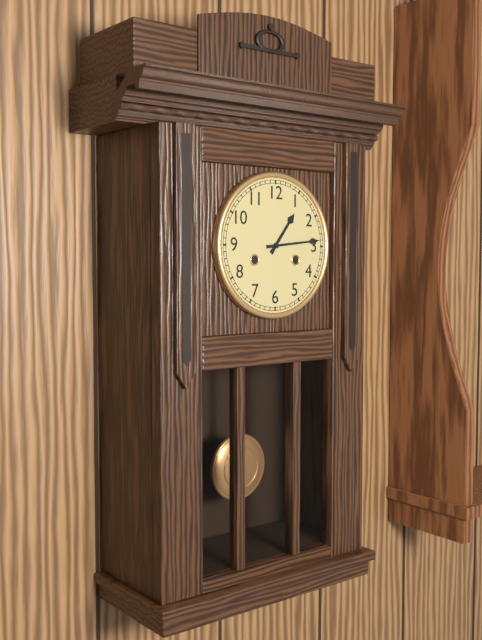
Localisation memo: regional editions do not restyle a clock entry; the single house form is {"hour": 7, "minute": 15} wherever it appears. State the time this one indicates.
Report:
{"hour": 1, "minute": 14}
